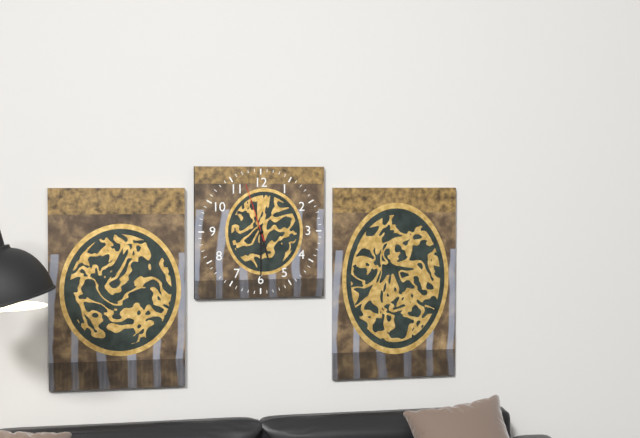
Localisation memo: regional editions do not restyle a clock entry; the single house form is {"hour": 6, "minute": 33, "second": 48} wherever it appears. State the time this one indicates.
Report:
{"hour": 5, "minute": 30, "second": 57}
